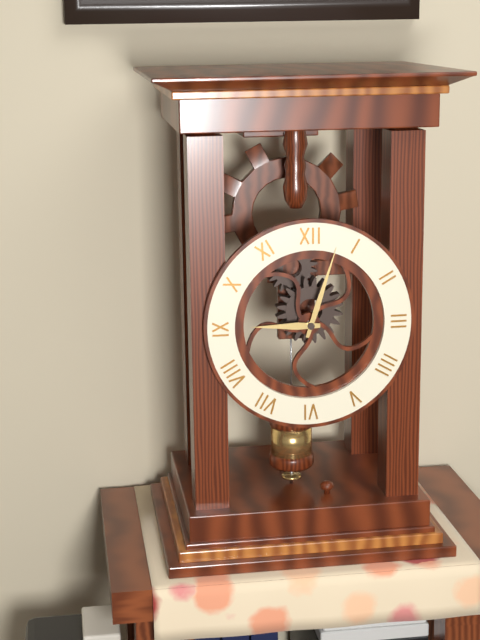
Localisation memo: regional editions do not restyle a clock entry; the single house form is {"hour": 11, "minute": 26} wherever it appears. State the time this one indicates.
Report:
{"hour": 9, "minute": 3}
